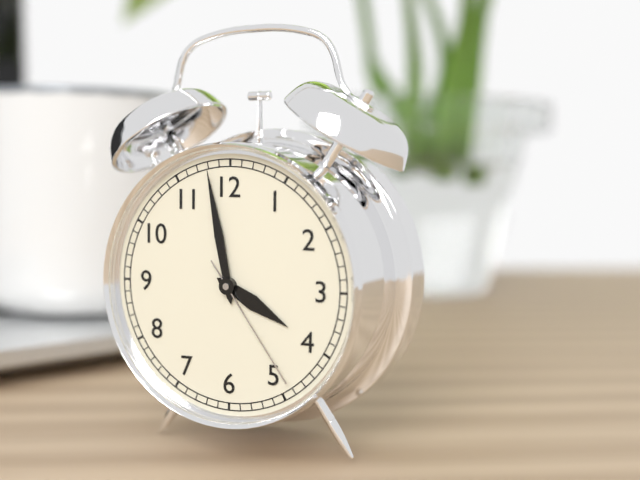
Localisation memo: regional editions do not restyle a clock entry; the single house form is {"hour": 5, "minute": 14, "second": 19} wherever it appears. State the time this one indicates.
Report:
{"hour": 3, "minute": 58, "second": 24}
